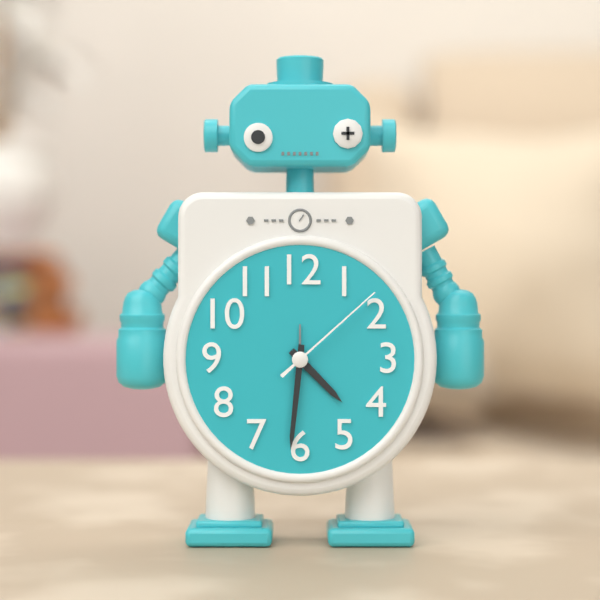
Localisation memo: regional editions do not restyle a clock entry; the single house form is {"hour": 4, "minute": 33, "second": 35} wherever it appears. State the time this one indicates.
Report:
{"hour": 4, "minute": 31, "second": 8}
